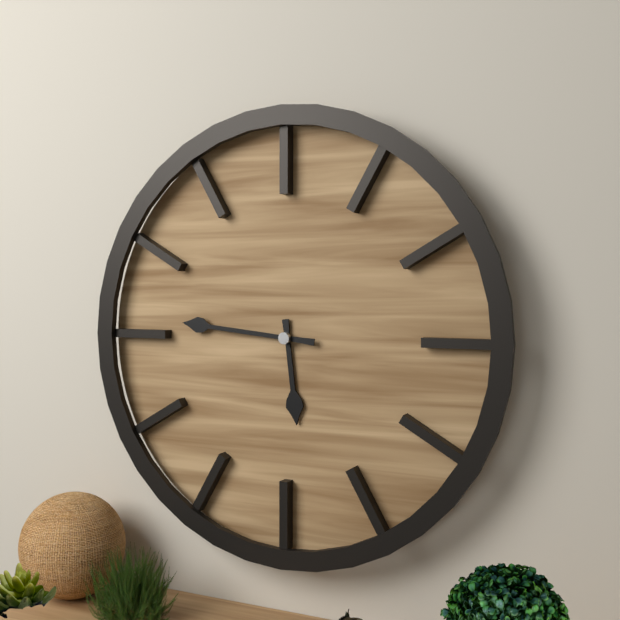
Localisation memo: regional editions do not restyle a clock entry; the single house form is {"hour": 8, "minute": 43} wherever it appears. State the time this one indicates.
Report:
{"hour": 5, "minute": 46}
